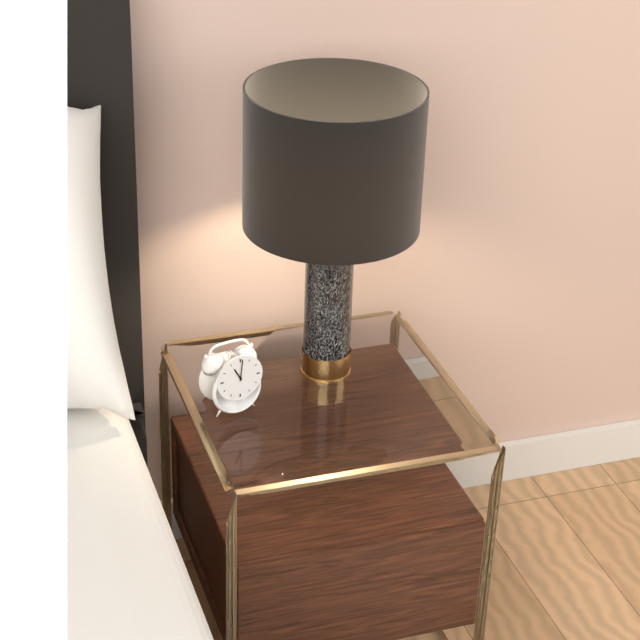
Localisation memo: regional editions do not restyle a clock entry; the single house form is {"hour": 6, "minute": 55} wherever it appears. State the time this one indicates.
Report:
{"hour": 11, "minute": 1}
